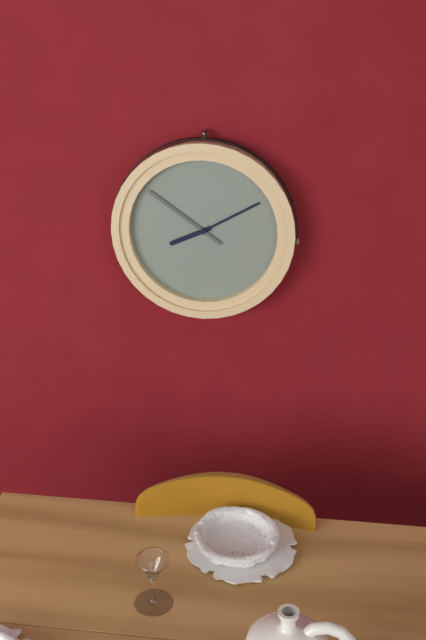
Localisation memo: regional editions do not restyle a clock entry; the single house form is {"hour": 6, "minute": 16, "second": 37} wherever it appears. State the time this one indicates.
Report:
{"hour": 8, "minute": 10, "second": 51}
